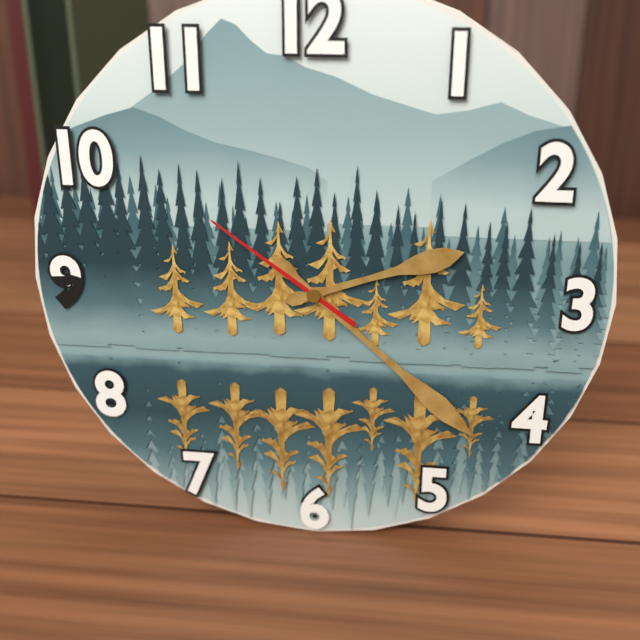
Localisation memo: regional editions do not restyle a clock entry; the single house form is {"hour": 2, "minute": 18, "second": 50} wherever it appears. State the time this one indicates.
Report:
{"hour": 2, "minute": 22, "second": 51}
